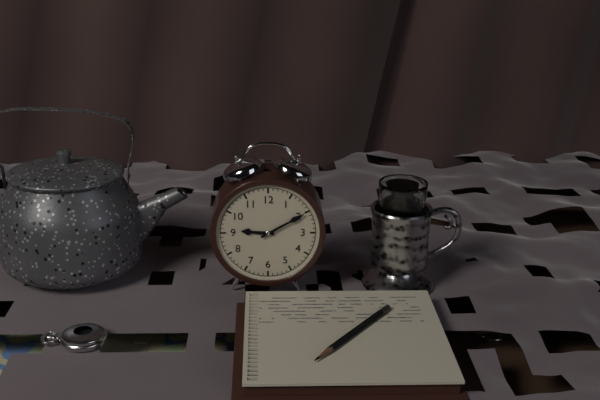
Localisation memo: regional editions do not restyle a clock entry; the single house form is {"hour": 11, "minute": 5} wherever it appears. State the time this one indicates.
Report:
{"hour": 9, "minute": 10}
